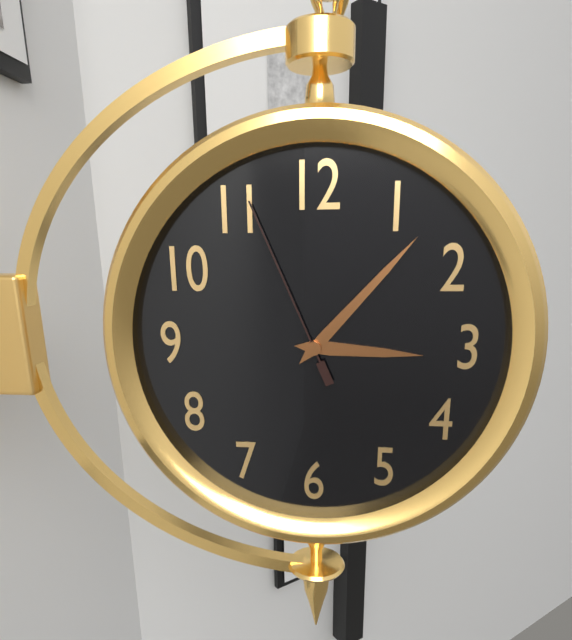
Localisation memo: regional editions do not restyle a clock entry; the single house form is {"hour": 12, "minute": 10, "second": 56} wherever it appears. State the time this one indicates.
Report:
{"hour": 3, "minute": 7, "second": 56}
